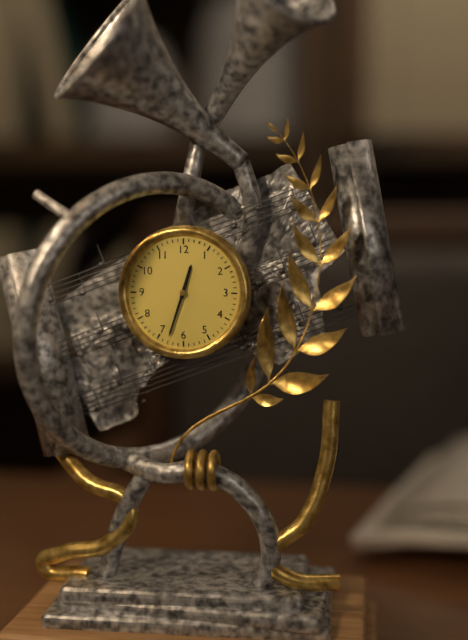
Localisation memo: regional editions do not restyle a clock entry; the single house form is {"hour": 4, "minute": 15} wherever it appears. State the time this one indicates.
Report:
{"hour": 12, "minute": 33}
